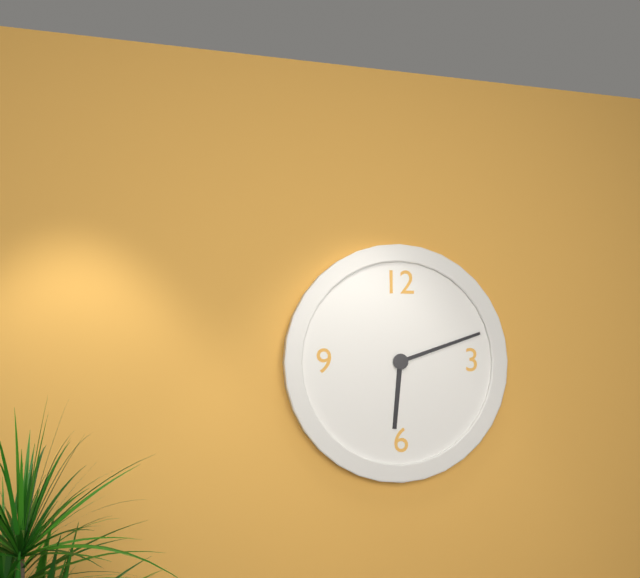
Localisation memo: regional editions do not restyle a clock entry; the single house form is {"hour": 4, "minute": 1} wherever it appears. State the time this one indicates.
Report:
{"hour": 6, "minute": 12}
